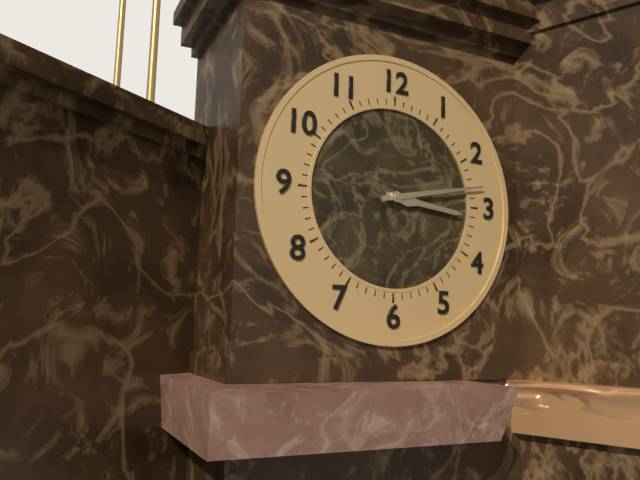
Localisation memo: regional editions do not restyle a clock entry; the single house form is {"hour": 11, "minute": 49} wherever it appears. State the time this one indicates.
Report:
{"hour": 3, "minute": 13}
